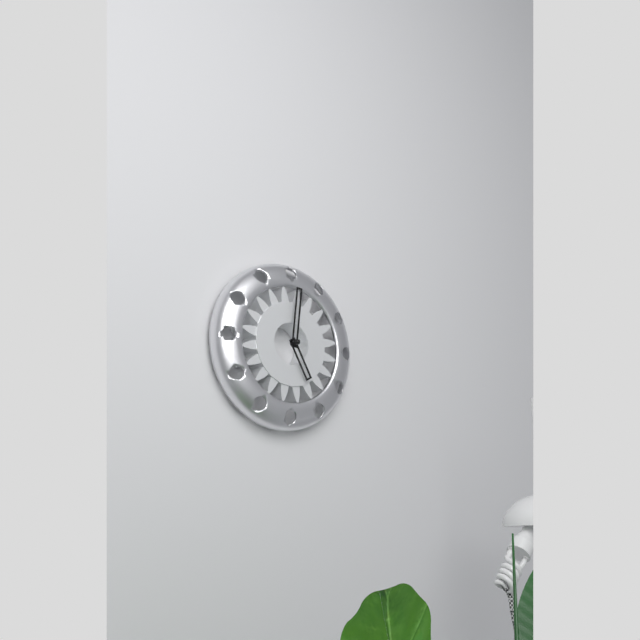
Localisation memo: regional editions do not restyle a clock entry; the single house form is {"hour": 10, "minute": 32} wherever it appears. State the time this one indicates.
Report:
{"hour": 5, "minute": 1}
